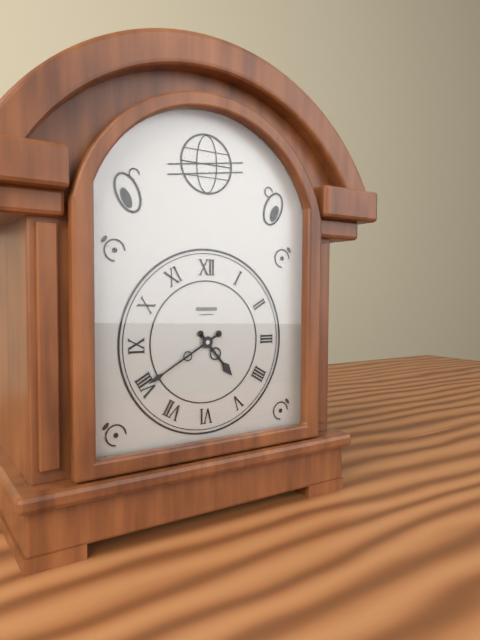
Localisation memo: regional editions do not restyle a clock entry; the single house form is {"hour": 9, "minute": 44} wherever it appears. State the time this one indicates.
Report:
{"hour": 4, "minute": 40}
